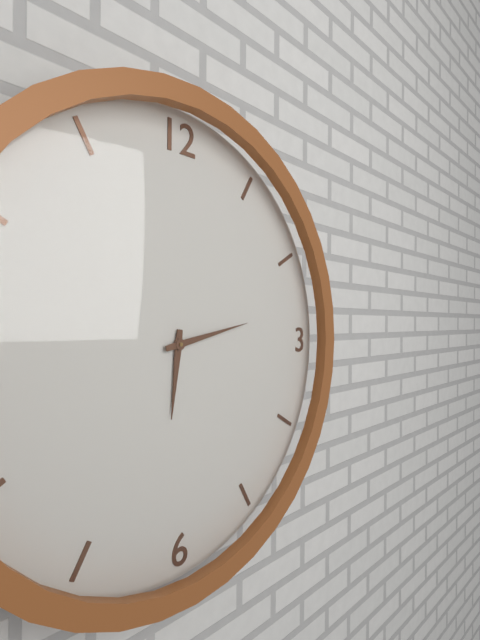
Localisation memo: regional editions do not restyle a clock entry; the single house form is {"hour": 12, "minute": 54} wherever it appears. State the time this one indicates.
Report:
{"hour": 6, "minute": 13}
